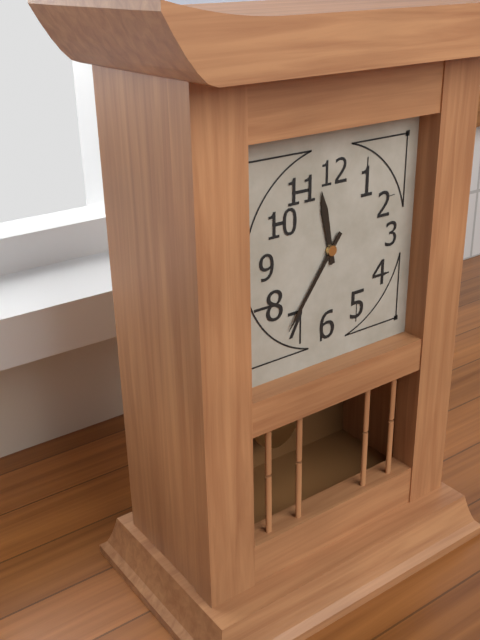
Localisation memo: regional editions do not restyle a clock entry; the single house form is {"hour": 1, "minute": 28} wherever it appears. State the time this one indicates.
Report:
{"hour": 11, "minute": 36}
